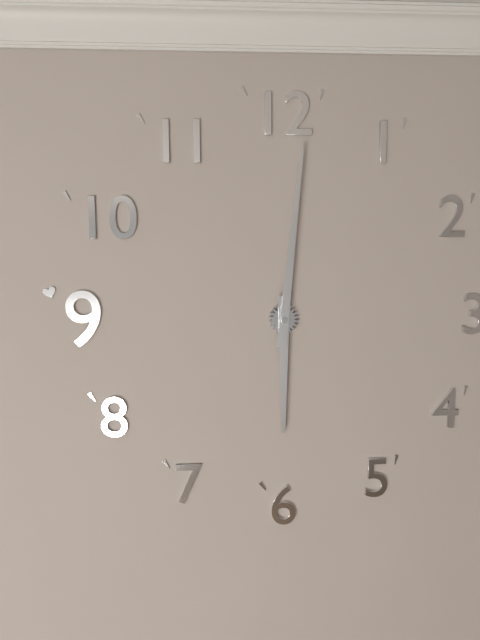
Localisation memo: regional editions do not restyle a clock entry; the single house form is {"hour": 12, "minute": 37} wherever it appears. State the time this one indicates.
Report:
{"hour": 6, "minute": 1}
